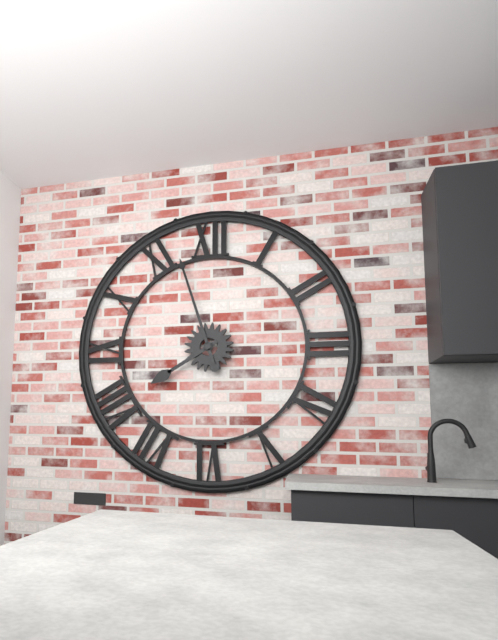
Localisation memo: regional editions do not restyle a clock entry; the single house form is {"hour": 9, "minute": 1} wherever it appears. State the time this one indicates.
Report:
{"hour": 7, "minute": 57}
